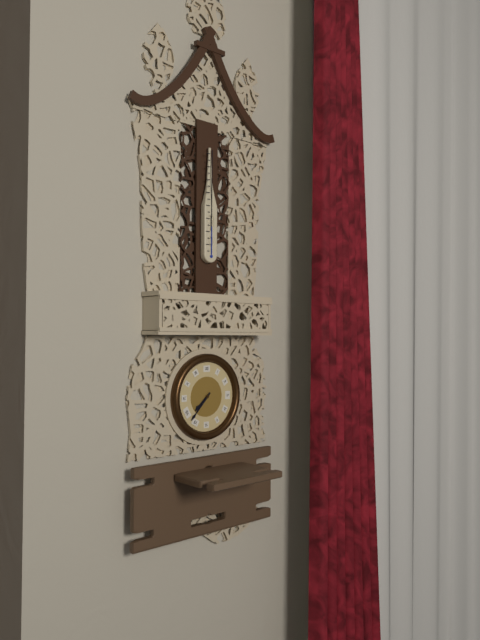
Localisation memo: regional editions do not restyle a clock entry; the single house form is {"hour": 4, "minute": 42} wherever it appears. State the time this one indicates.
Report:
{"hour": 7, "minute": 37}
